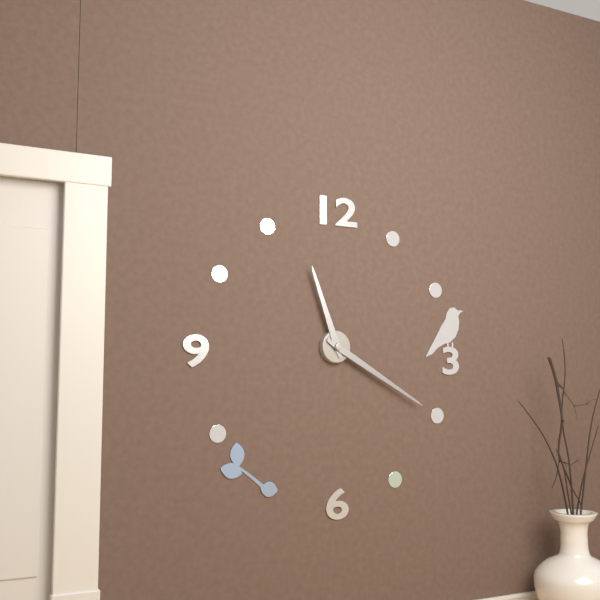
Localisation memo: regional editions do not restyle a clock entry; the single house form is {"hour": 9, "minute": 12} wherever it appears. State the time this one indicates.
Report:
{"hour": 11, "minute": 20}
